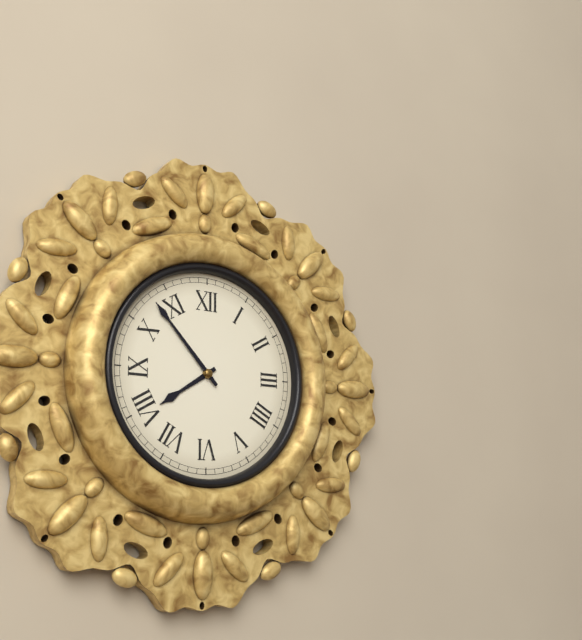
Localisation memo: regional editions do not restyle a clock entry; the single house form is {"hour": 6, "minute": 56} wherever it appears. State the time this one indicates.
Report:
{"hour": 7, "minute": 53}
